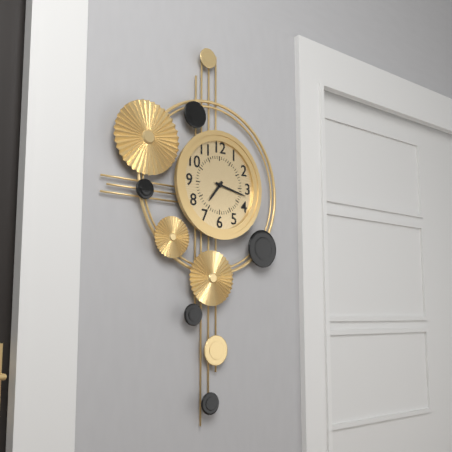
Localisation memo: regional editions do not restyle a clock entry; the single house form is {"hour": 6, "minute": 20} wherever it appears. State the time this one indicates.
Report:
{"hour": 7, "minute": 17}
